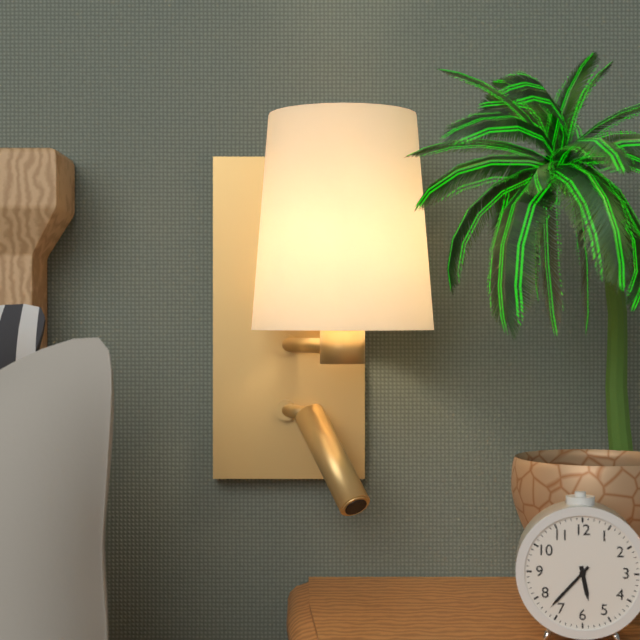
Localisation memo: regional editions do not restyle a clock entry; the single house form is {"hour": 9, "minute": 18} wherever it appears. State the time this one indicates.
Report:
{"hour": 5, "minute": 37}
